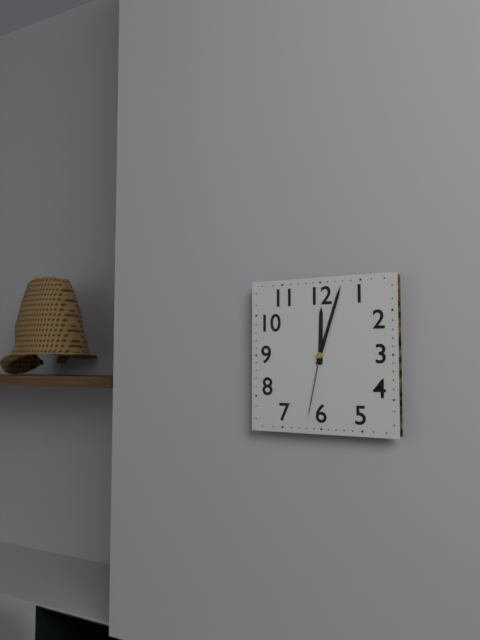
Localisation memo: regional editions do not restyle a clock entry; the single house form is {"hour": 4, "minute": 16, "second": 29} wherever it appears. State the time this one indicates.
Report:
{"hour": 12, "minute": 3, "second": 32}
